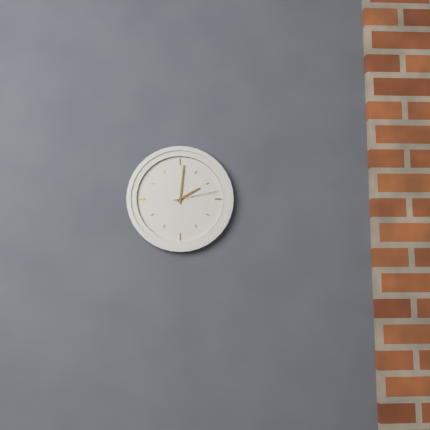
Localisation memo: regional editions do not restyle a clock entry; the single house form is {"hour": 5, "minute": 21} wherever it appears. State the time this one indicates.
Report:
{"hour": 2, "minute": 1}
